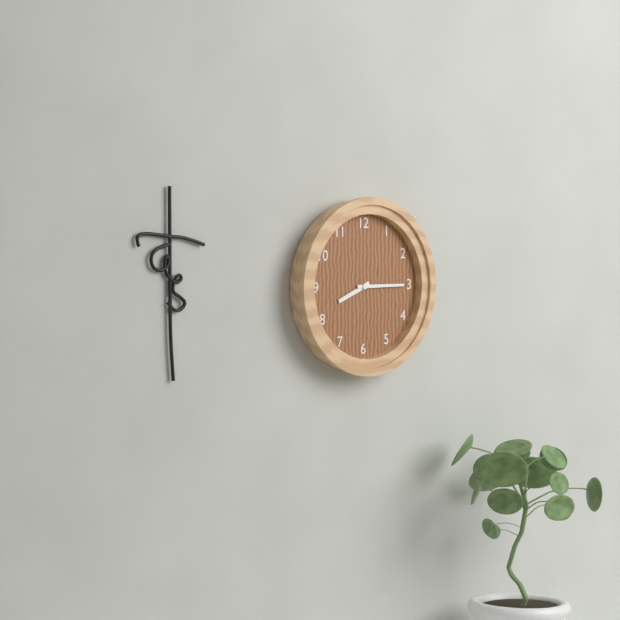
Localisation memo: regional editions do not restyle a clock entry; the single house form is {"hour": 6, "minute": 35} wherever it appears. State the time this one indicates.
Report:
{"hour": 8, "minute": 15}
